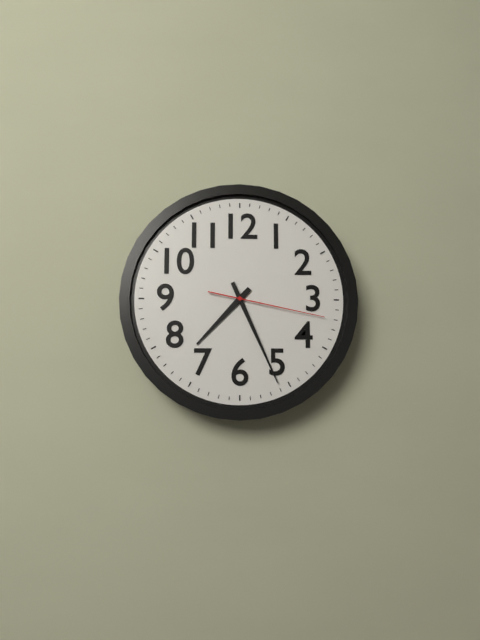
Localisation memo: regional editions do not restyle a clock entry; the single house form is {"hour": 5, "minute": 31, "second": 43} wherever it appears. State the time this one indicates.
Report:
{"hour": 7, "minute": 26, "second": 17}
